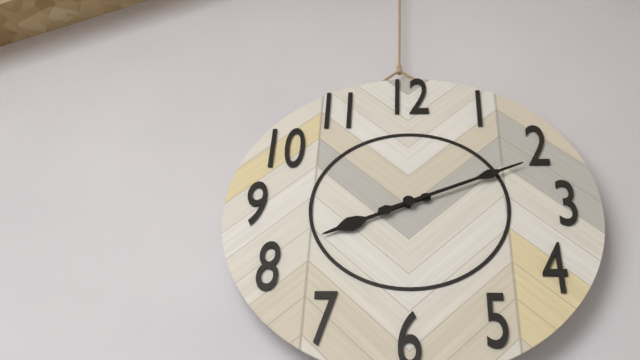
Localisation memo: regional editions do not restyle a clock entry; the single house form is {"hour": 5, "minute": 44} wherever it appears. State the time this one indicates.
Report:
{"hour": 8, "minute": 11}
